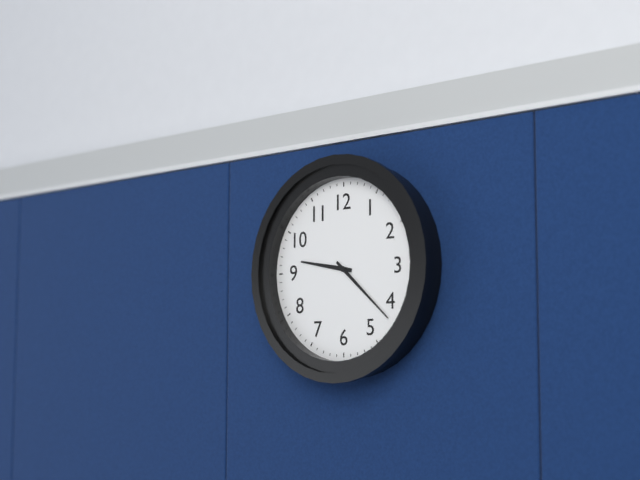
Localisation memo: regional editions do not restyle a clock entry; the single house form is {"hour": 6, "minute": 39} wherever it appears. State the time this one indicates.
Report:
{"hour": 9, "minute": 22}
